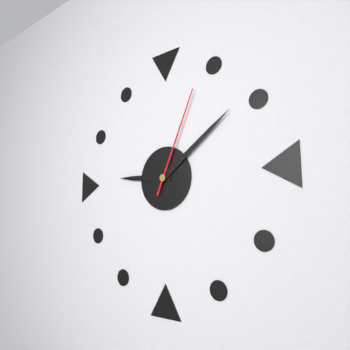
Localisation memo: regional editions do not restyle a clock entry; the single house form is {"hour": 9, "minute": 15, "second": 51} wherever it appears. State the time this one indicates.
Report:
{"hour": 9, "minute": 9, "second": 4}
